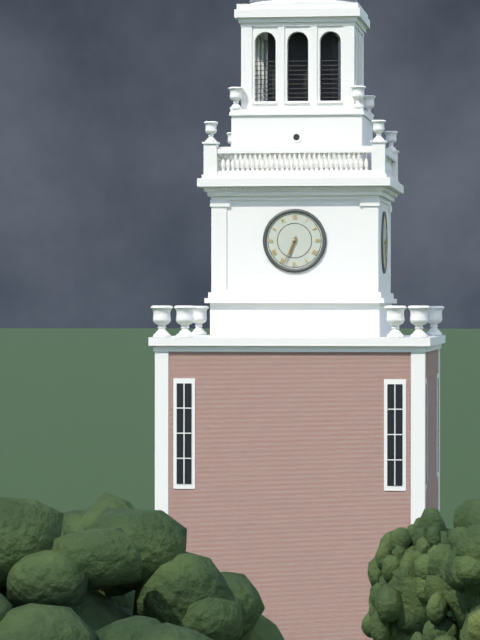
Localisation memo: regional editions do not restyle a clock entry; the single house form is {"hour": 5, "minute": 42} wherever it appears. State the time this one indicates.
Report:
{"hour": 6, "minute": 34}
